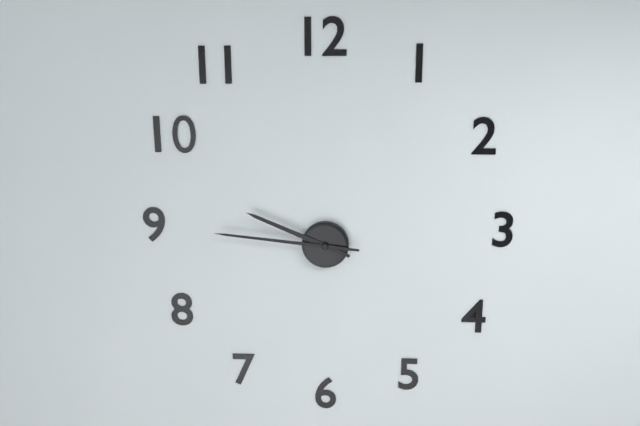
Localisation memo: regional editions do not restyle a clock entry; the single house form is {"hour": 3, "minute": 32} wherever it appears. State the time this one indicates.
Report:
{"hour": 9, "minute": 46}
